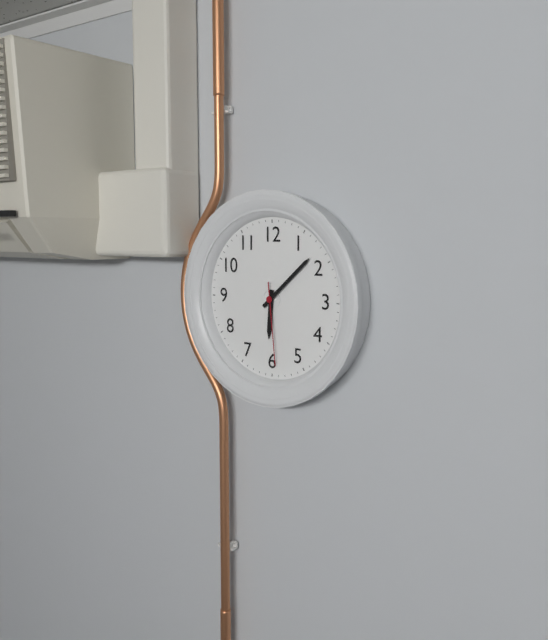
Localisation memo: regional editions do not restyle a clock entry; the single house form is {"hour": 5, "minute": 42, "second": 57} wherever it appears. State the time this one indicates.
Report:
{"hour": 6, "minute": 8, "second": 29}
